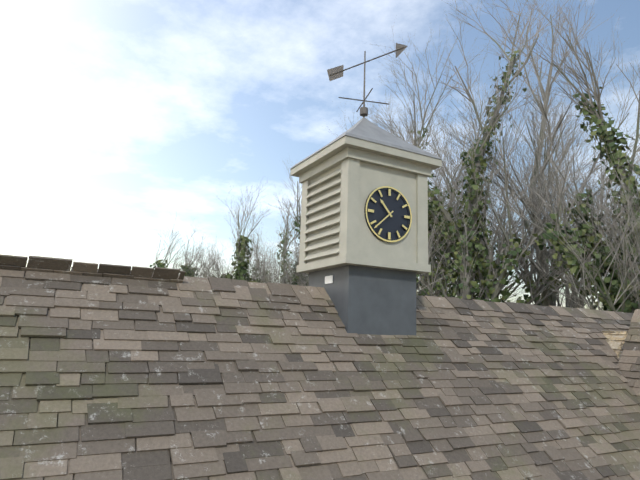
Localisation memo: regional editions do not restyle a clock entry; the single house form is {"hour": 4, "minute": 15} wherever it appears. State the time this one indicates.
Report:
{"hour": 10, "minute": 38}
